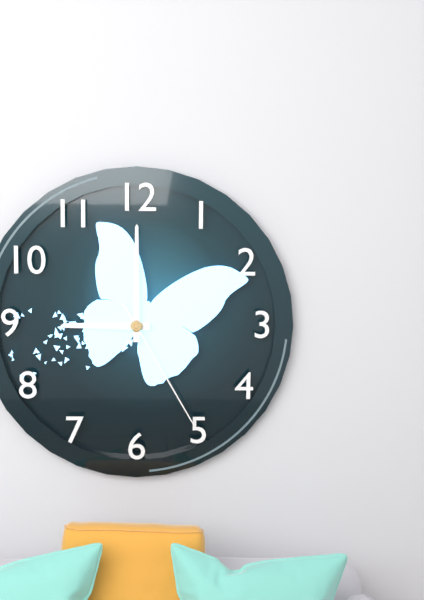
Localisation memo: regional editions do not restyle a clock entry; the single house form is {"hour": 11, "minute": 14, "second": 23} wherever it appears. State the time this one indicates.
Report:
{"hour": 9, "minute": 0, "second": 25}
